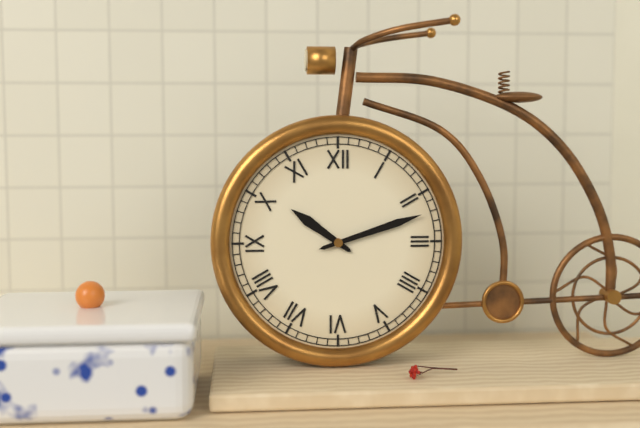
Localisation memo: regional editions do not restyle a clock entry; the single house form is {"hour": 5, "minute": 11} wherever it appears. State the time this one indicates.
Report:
{"hour": 10, "minute": 12}
